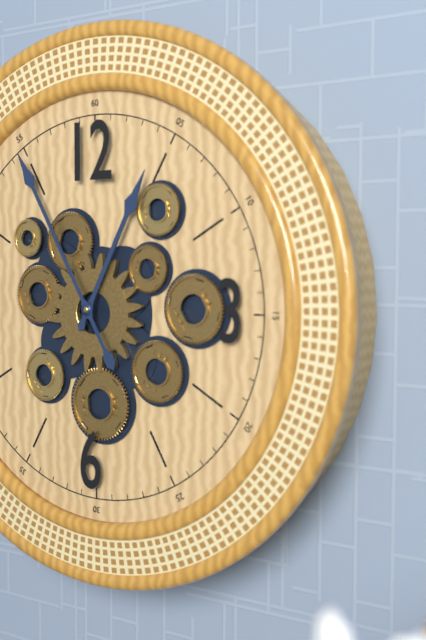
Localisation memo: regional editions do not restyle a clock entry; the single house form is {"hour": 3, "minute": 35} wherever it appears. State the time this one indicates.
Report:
{"hour": 12, "minute": 55}
